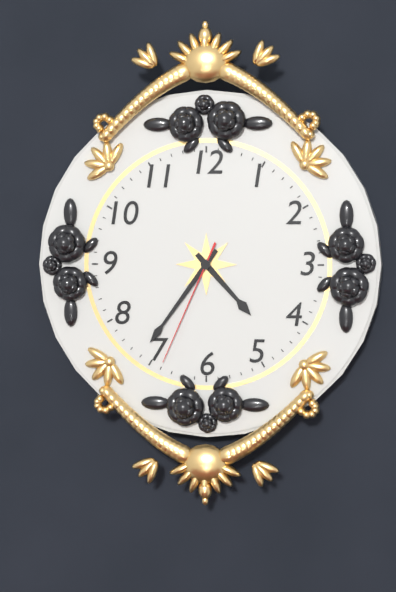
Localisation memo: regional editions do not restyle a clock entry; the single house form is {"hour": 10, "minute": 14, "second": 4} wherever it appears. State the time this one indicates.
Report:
{"hour": 4, "minute": 36, "second": 34}
